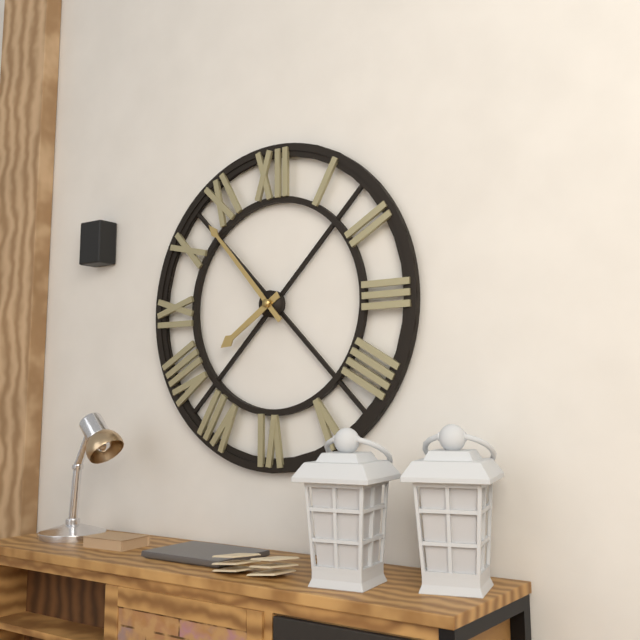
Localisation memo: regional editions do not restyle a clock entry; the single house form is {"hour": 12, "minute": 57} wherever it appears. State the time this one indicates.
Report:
{"hour": 7, "minute": 53}
